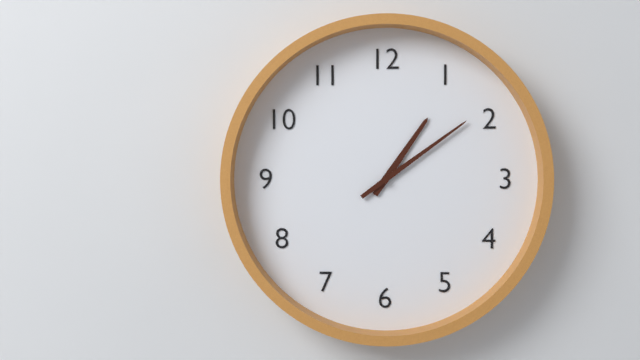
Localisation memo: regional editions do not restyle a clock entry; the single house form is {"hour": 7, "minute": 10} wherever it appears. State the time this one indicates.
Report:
{"hour": 1, "minute": 9}
